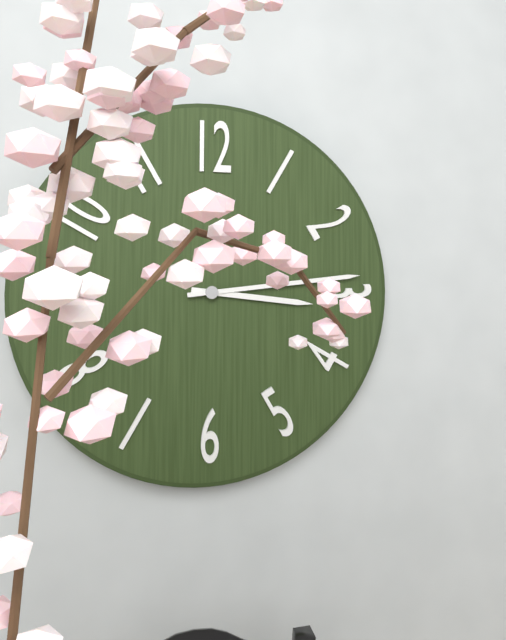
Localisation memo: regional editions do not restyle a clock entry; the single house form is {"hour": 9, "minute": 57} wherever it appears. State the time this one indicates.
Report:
{"hour": 3, "minute": 14}
